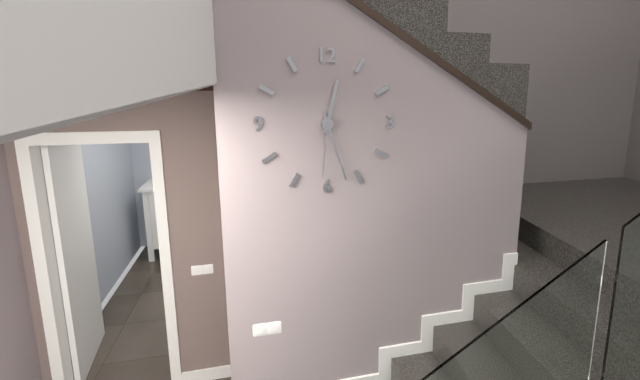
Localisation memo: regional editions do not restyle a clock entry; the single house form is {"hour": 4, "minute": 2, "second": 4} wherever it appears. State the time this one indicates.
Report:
{"hour": 12, "minute": 27, "second": 31}
